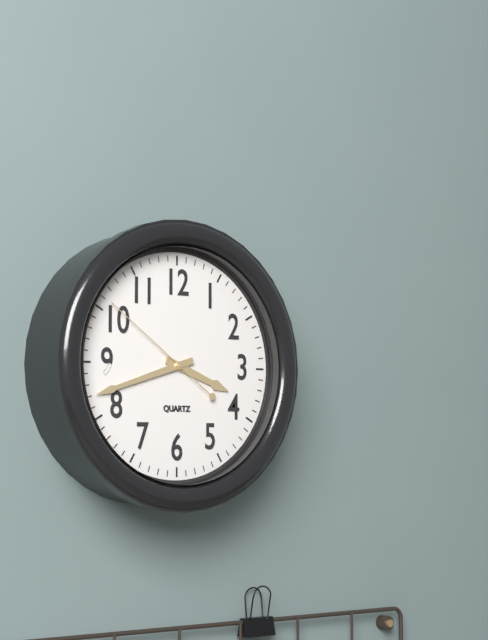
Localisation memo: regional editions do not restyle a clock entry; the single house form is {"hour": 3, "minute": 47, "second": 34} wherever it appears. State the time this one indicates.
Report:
{"hour": 3, "minute": 42, "second": 51}
